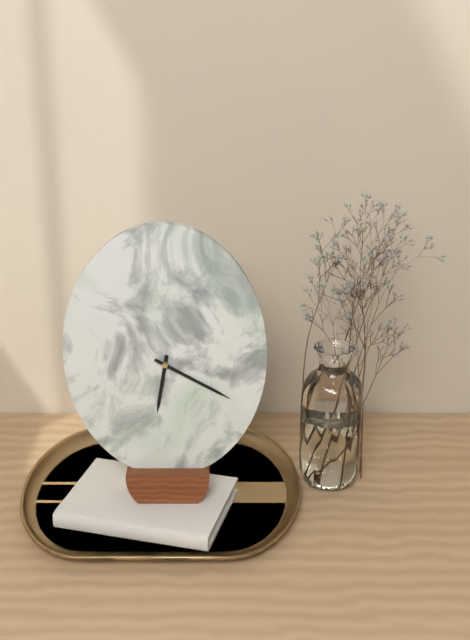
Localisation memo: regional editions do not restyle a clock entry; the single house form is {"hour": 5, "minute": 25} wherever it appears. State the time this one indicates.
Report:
{"hour": 6, "minute": 20}
